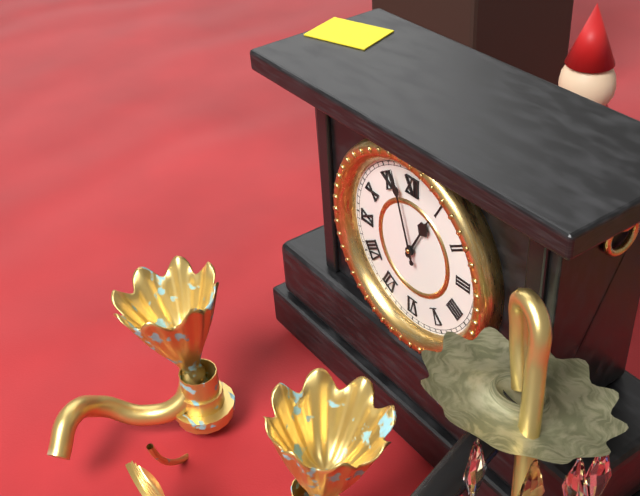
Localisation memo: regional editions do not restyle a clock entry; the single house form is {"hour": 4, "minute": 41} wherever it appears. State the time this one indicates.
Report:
{"hour": 12, "minute": 57}
